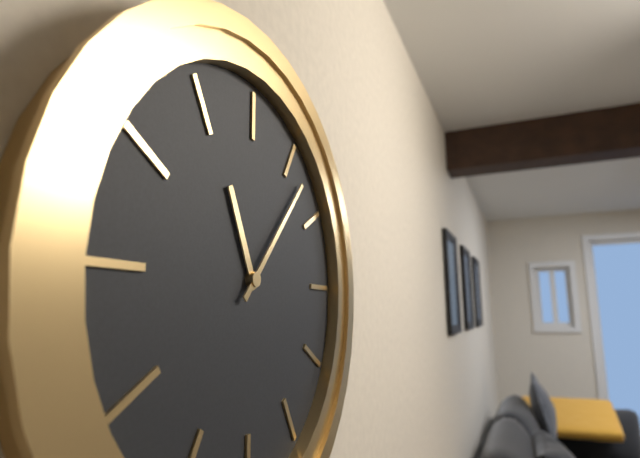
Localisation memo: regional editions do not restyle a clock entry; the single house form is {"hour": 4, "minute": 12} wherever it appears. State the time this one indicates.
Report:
{"hour": 11, "minute": 7}
